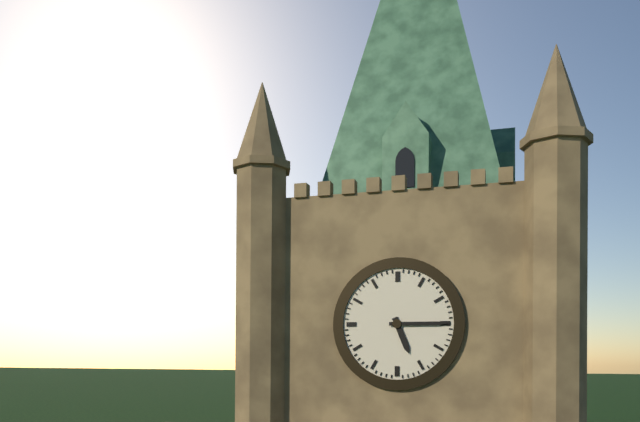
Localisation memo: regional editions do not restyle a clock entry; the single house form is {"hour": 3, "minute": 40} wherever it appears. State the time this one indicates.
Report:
{"hour": 5, "minute": 15}
